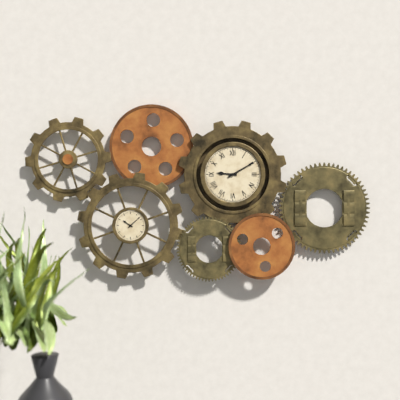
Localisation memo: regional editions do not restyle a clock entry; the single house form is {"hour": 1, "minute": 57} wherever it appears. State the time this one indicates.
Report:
{"hour": 9, "minute": 10}
